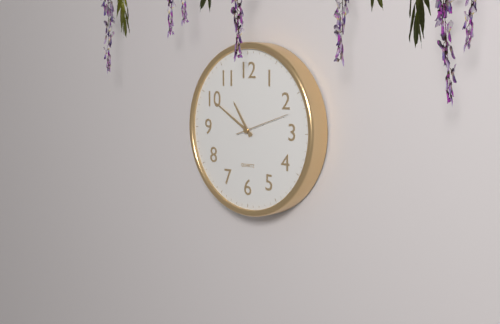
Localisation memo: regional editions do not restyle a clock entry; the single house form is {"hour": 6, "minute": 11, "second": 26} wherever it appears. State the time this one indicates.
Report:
{"hour": 10, "minute": 50, "second": 12}
